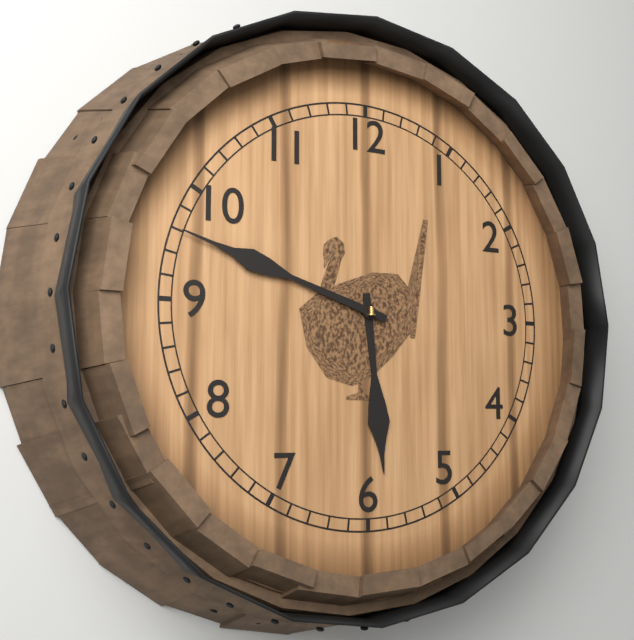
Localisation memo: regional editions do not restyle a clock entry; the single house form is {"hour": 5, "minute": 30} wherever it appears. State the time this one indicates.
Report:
{"hour": 5, "minute": 48}
